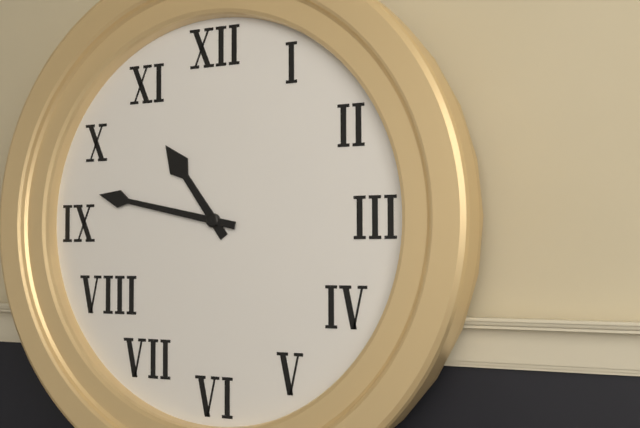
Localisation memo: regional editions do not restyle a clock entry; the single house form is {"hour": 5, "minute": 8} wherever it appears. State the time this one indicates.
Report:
{"hour": 10, "minute": 47}
